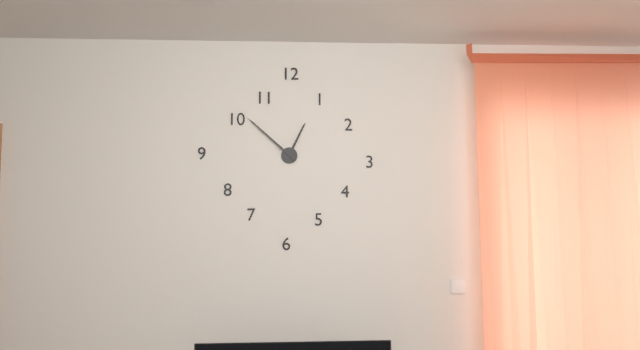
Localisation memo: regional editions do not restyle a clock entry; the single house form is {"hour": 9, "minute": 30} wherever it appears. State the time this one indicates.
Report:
{"hour": 12, "minute": 52}
